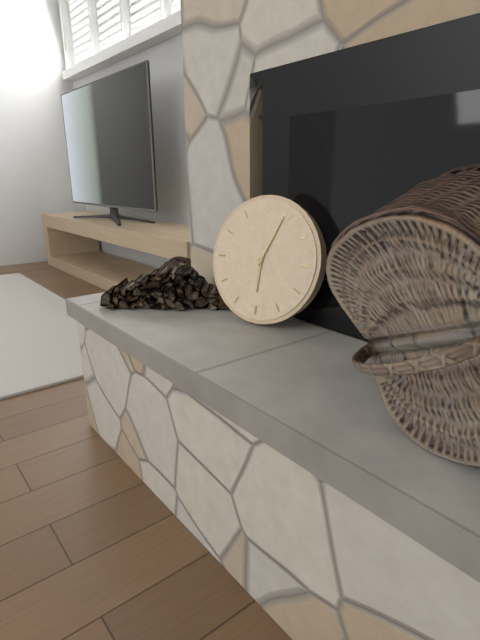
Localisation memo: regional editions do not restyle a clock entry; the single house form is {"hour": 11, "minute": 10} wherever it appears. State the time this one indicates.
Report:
{"hour": 6, "minute": 4}
